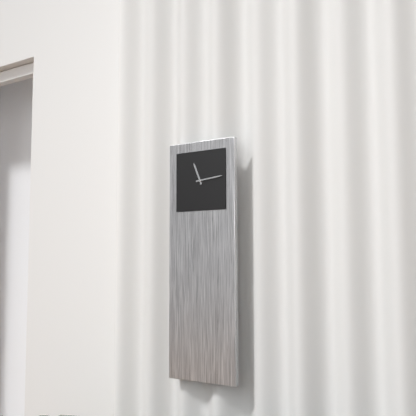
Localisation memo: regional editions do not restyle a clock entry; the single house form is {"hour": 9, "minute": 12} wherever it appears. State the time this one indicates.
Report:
{"hour": 11, "minute": 14}
